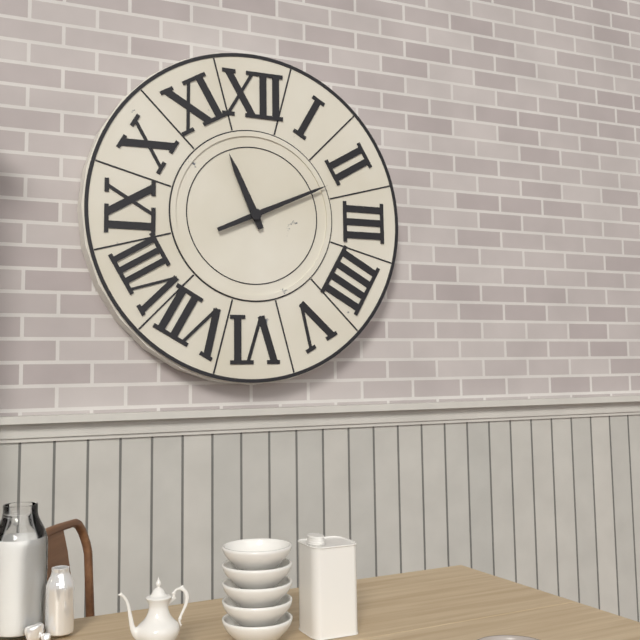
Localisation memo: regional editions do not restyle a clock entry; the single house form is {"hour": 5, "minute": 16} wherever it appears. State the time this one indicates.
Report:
{"hour": 11, "minute": 11}
